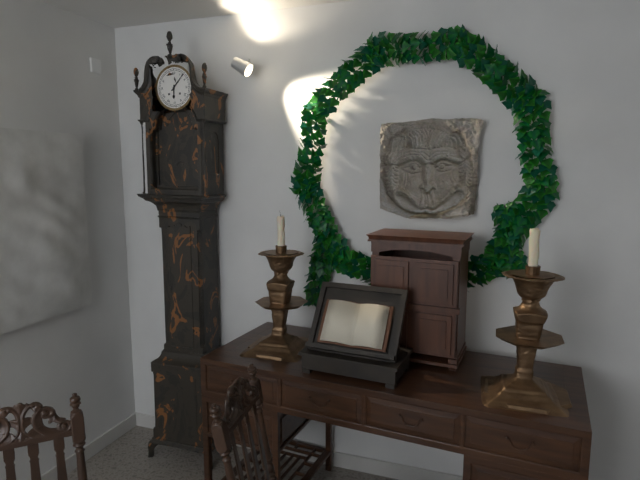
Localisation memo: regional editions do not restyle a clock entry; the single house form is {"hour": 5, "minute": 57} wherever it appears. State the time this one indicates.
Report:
{"hour": 6, "minute": 7}
